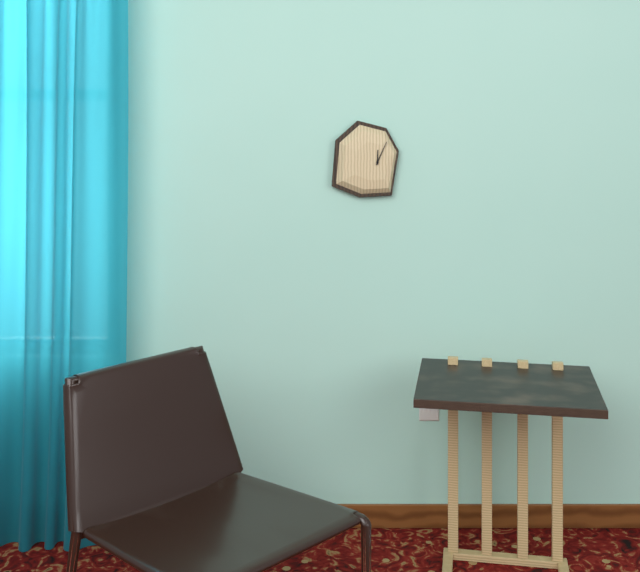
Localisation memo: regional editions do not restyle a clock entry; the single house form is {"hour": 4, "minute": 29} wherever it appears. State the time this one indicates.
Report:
{"hour": 12, "minute": 4}
